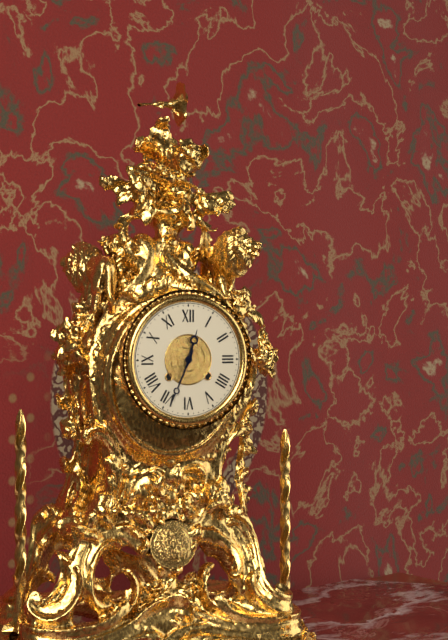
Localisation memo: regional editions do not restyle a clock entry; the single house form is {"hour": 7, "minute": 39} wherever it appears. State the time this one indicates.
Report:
{"hour": 12, "minute": 34}
